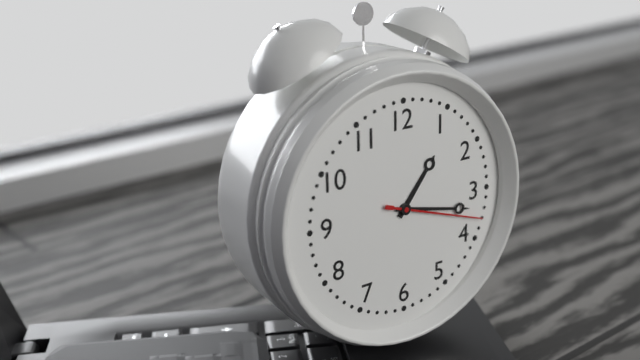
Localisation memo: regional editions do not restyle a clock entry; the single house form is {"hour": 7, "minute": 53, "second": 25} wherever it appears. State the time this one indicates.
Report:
{"hour": 1, "minute": 17, "second": 18}
